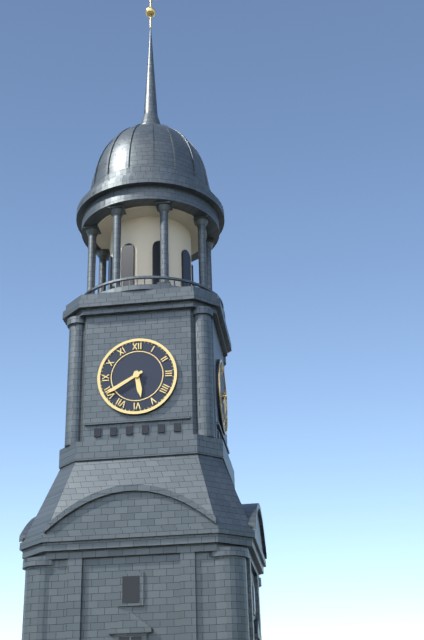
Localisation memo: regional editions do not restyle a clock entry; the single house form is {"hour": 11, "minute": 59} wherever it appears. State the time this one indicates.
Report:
{"hour": 5, "minute": 40}
